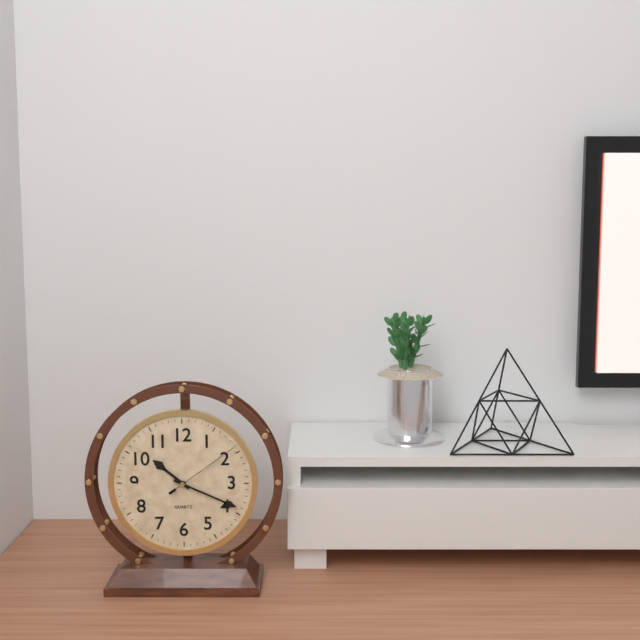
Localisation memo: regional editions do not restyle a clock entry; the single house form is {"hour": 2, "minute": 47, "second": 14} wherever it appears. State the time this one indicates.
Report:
{"hour": 10, "minute": 19, "second": 9}
